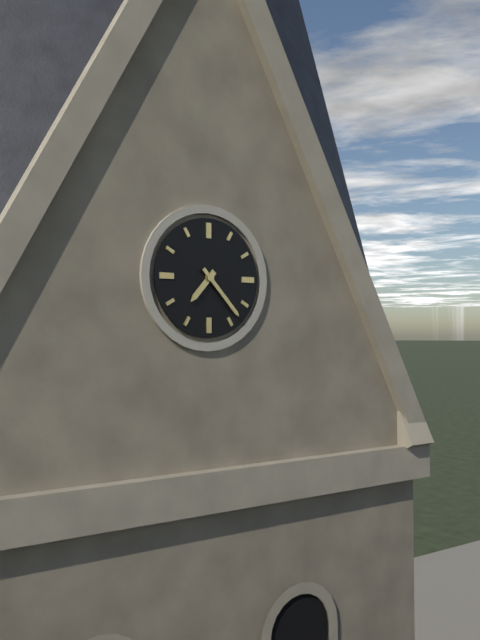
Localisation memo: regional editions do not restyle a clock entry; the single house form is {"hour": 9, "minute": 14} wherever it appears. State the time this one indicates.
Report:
{"hour": 7, "minute": 23}
